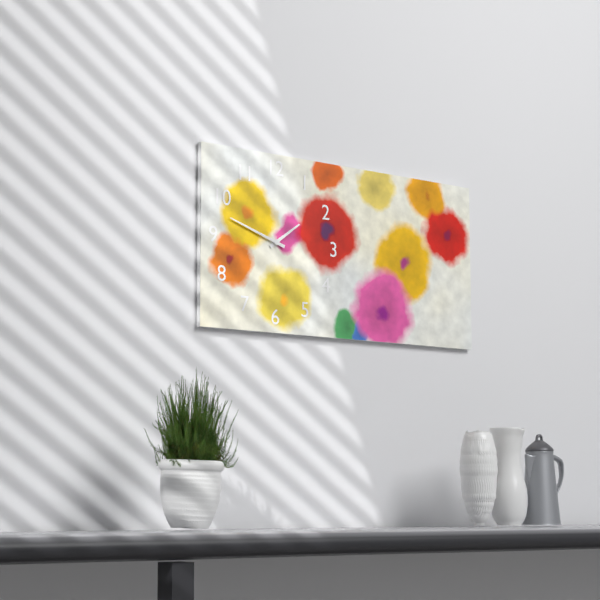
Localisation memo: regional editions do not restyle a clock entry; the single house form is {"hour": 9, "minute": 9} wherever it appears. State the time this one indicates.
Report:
{"hour": 1, "minute": 48}
